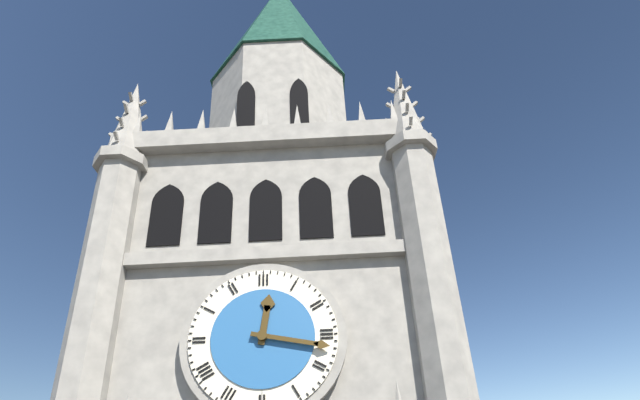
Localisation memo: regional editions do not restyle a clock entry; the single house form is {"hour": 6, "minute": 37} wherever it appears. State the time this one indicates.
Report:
{"hour": 12, "minute": 17}
